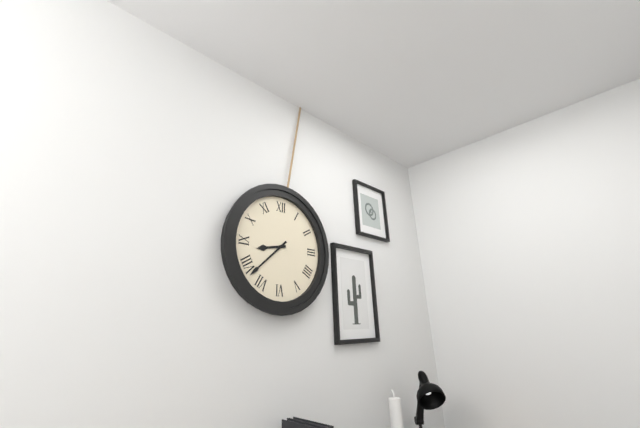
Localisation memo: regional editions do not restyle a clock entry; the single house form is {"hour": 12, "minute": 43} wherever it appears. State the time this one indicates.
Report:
{"hour": 8, "minute": 38}
